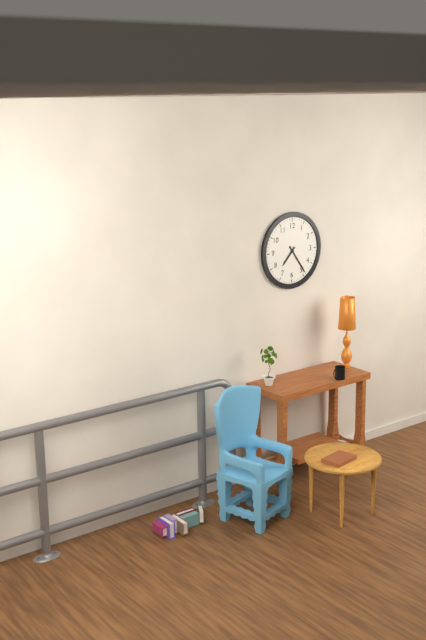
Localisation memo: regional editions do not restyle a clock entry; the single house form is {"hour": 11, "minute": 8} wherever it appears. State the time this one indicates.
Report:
{"hour": 7, "minute": 24}
